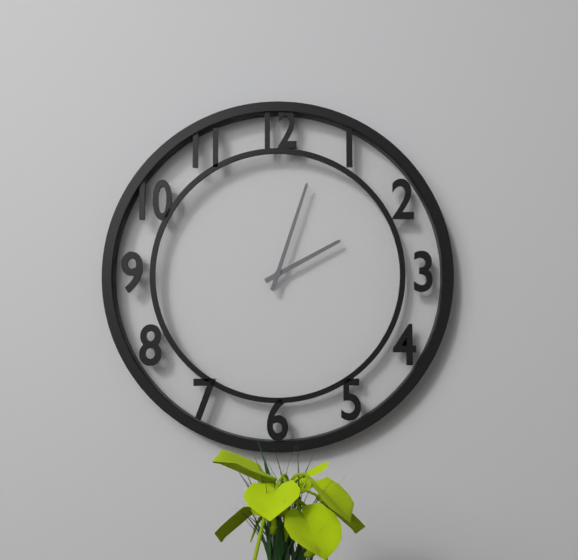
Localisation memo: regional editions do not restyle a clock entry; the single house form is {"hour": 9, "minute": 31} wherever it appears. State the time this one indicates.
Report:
{"hour": 2, "minute": 3}
